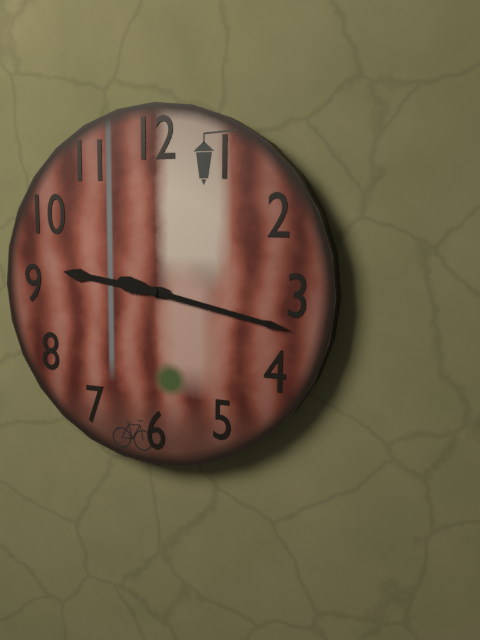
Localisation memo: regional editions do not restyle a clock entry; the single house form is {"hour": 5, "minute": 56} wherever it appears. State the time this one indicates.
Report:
{"hour": 9, "minute": 17}
